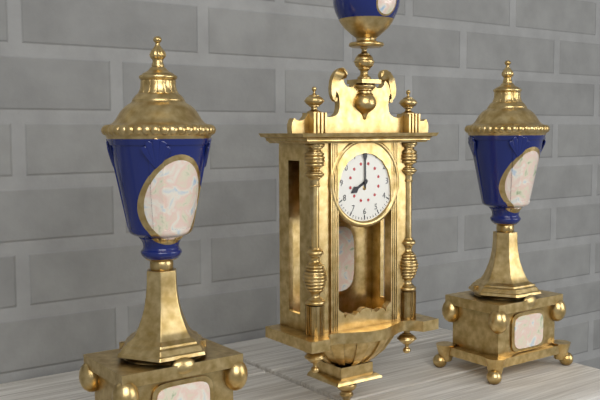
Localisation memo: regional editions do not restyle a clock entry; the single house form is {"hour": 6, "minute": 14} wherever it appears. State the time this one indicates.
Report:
{"hour": 8, "minute": 0}
